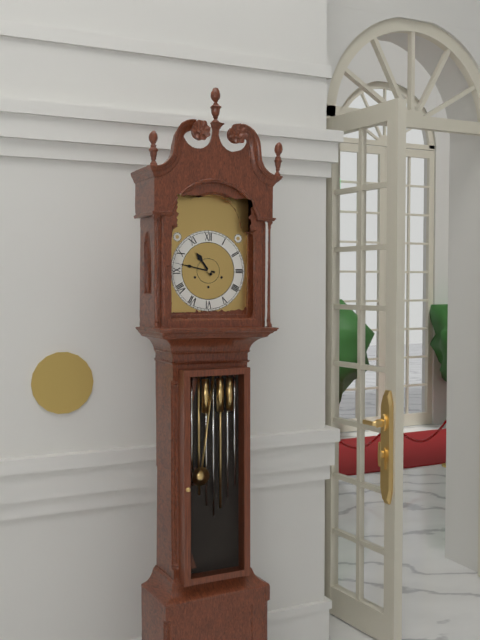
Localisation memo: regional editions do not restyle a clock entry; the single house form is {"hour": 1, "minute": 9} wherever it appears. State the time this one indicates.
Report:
{"hour": 10, "minute": 47}
